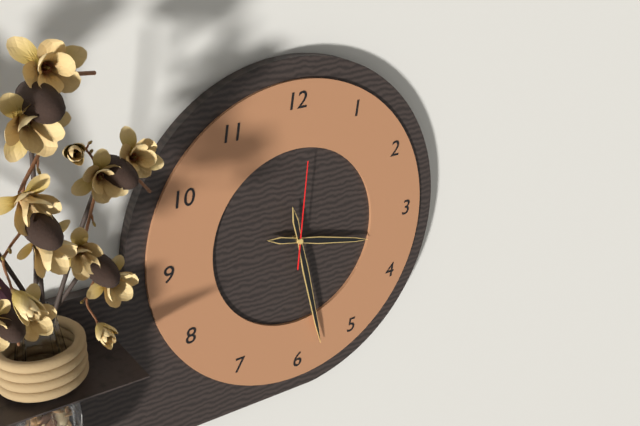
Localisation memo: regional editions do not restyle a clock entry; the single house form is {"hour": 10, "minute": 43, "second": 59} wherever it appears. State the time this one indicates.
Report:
{"hour": 3, "minute": 28, "second": 1}
